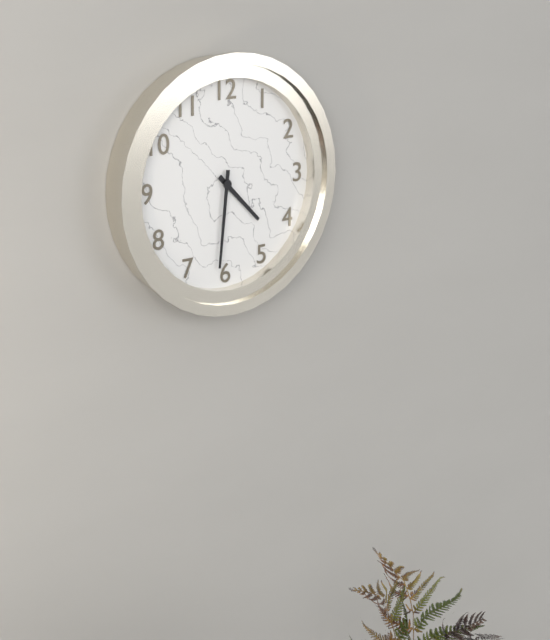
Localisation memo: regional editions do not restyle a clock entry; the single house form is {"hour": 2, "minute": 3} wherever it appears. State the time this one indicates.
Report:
{"hour": 4, "minute": 31}
